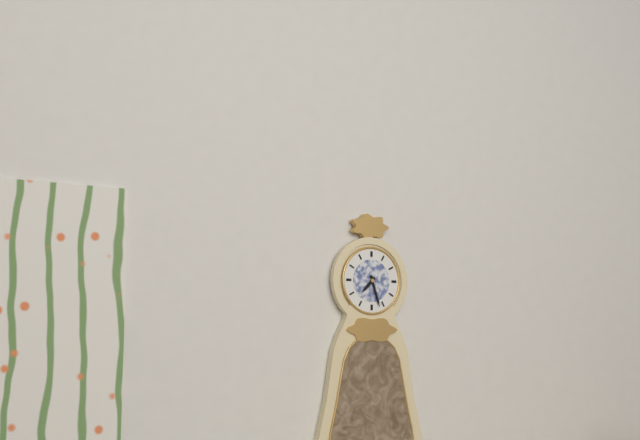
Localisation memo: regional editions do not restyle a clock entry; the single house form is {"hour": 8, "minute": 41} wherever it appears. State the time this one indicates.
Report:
{"hour": 7, "minute": 27}
